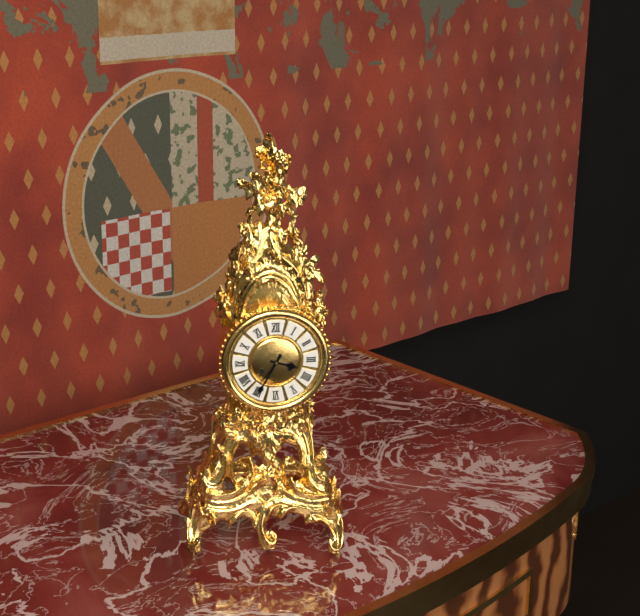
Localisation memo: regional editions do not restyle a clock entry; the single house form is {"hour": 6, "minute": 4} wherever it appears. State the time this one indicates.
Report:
{"hour": 3, "minute": 35}
